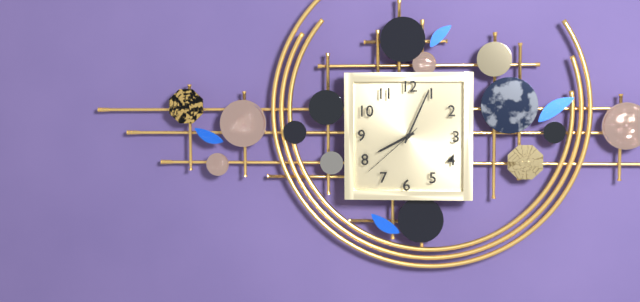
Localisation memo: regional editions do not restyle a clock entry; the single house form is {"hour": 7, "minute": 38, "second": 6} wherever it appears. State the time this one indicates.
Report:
{"hour": 8, "minute": 4, "second": 38}
